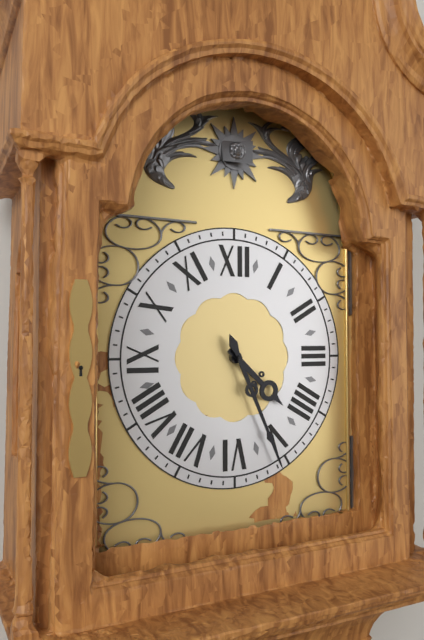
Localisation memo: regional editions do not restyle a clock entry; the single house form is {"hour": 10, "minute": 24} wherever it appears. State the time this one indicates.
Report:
{"hour": 4, "minute": 26}
